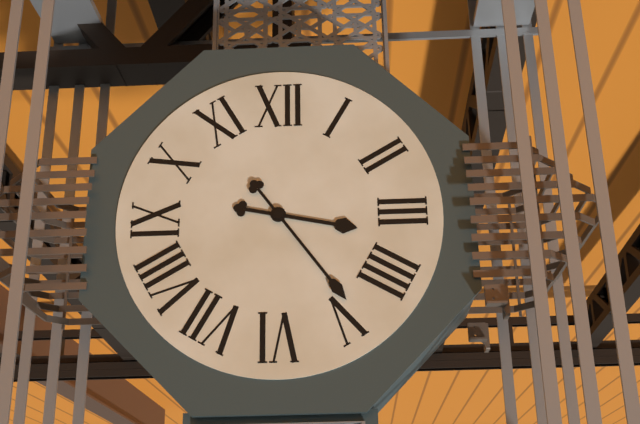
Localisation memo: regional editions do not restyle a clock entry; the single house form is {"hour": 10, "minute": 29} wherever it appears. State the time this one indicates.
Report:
{"hour": 3, "minute": 24}
